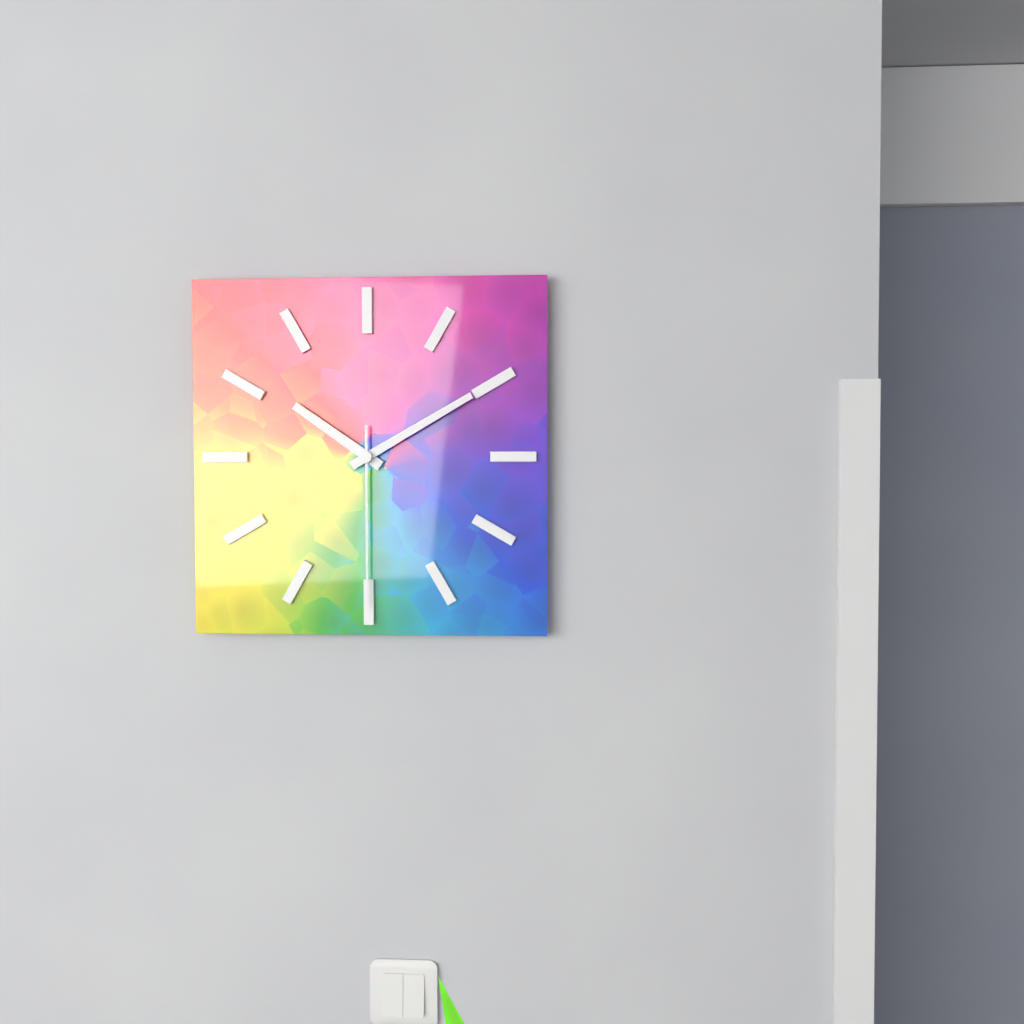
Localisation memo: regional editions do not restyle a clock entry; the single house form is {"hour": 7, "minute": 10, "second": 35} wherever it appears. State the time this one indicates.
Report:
{"hour": 10, "minute": 10, "second": 30}
